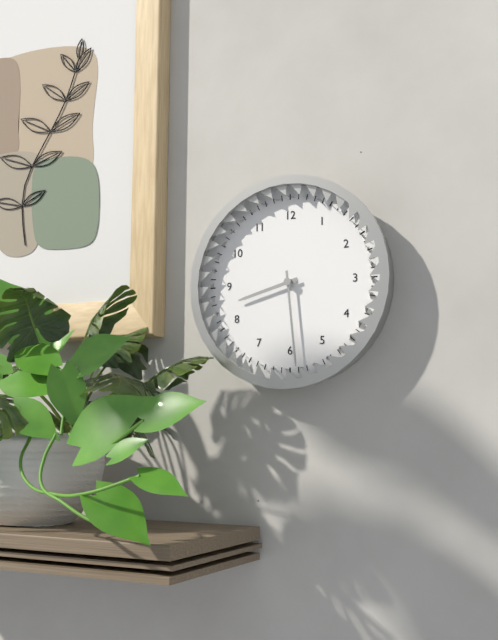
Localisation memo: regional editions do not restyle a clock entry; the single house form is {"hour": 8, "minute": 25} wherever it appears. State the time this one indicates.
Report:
{"hour": 8, "minute": 29}
